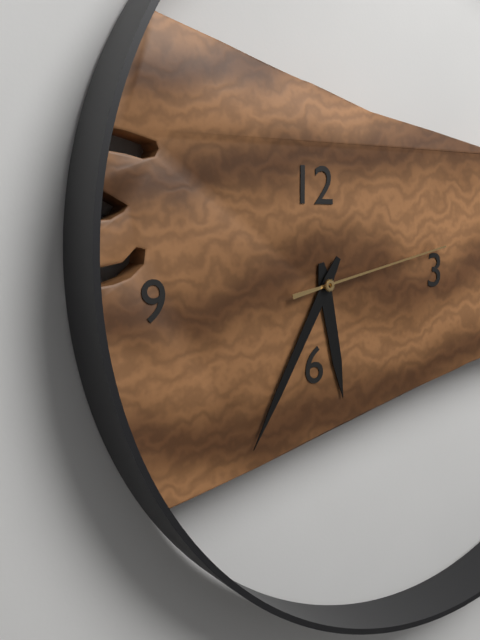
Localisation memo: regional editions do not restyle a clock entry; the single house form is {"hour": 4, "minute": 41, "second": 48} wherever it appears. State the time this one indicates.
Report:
{"hour": 5, "minute": 35, "second": 13}
